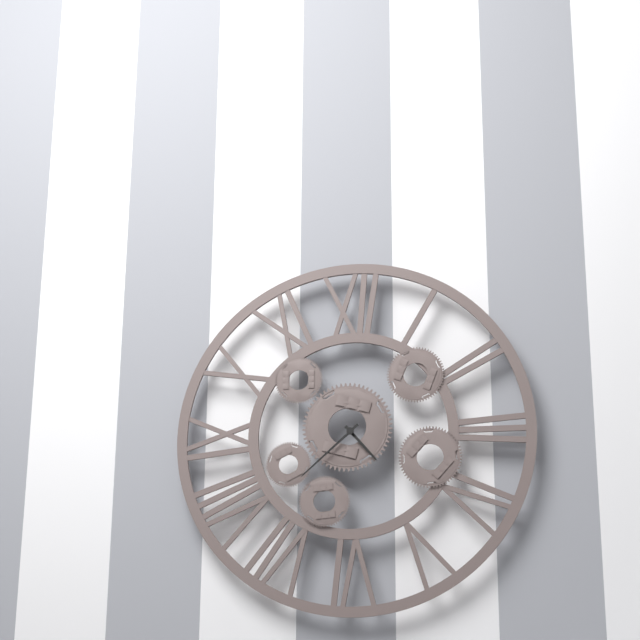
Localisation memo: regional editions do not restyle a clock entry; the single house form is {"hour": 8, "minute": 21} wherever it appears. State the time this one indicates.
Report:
{"hour": 4, "minute": 38}
